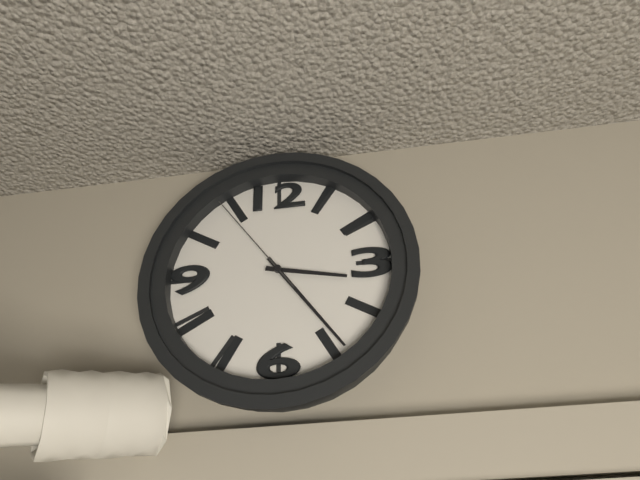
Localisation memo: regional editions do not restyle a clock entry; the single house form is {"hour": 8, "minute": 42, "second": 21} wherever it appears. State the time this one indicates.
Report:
{"hour": 3, "minute": 24, "second": 54}
